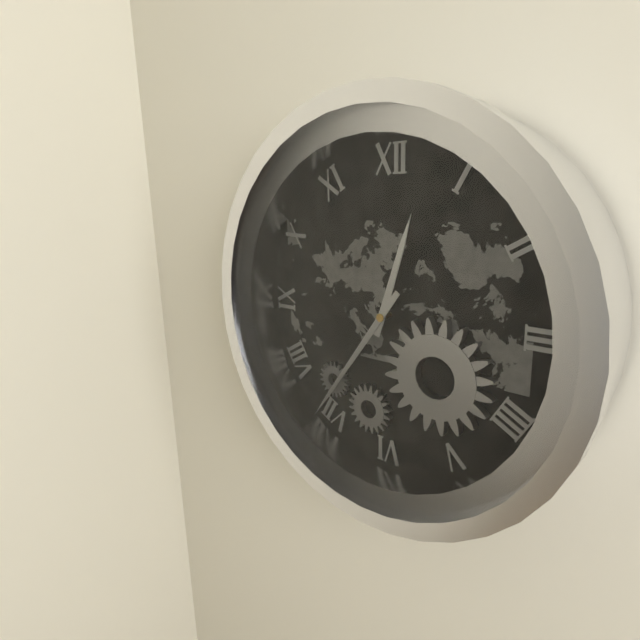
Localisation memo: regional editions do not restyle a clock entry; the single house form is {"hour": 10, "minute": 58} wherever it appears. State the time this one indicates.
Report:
{"hour": 12, "minute": 36}
